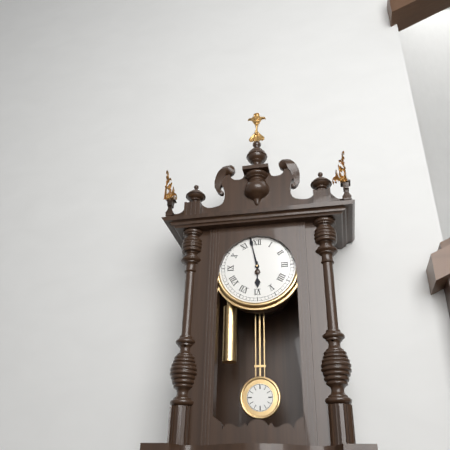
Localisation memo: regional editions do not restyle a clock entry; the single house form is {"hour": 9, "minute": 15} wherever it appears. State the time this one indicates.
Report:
{"hour": 5, "minute": 58}
